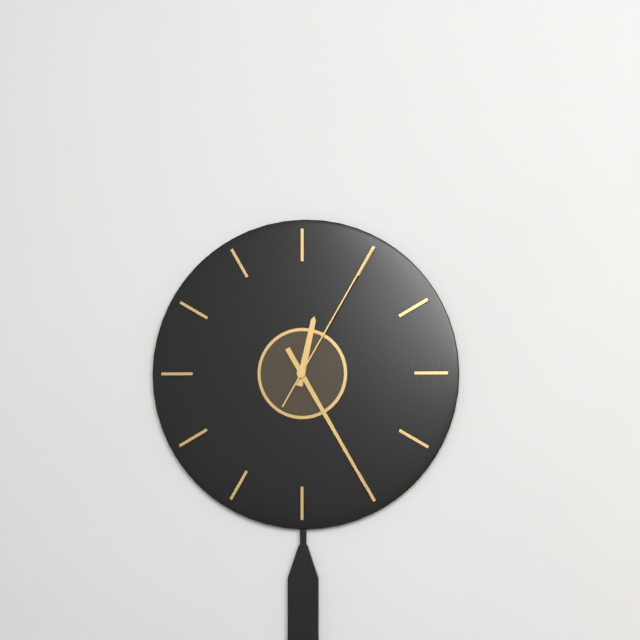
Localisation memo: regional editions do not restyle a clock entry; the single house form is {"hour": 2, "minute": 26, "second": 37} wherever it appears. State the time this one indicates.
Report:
{"hour": 12, "minute": 25, "second": 5}
